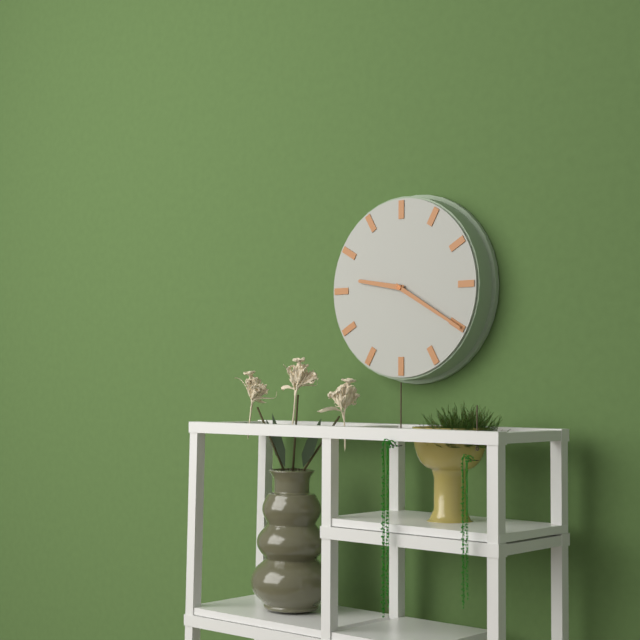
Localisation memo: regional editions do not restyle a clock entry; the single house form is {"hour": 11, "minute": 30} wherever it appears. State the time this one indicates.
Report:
{"hour": 9, "minute": 20}
